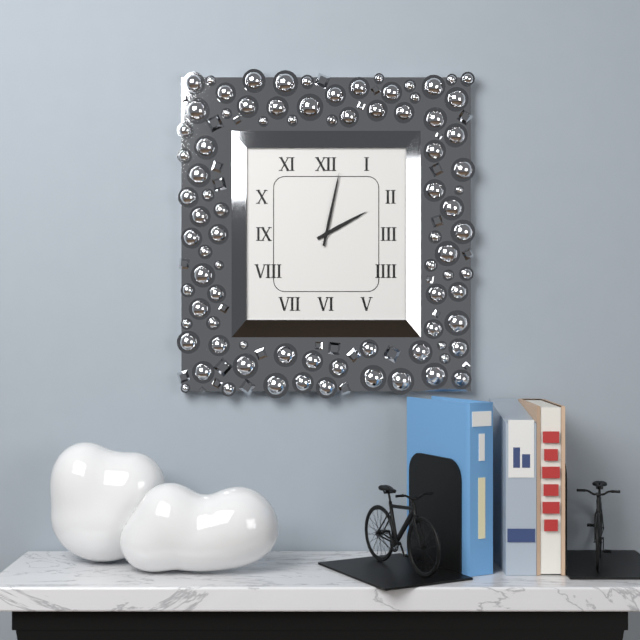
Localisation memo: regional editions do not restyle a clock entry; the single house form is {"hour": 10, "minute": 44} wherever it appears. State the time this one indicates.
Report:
{"hour": 2, "minute": 2}
